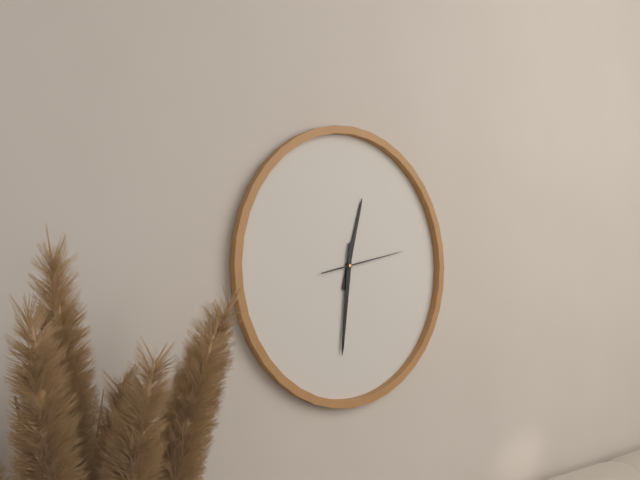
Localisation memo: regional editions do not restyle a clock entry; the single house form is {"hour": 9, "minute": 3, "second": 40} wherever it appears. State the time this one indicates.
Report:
{"hour": 12, "minute": 31, "second": 13}
